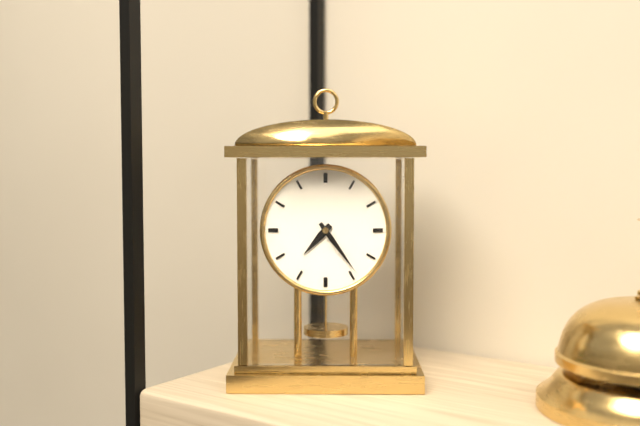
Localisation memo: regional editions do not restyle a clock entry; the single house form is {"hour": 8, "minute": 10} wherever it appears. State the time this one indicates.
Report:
{"hour": 7, "minute": 24}
